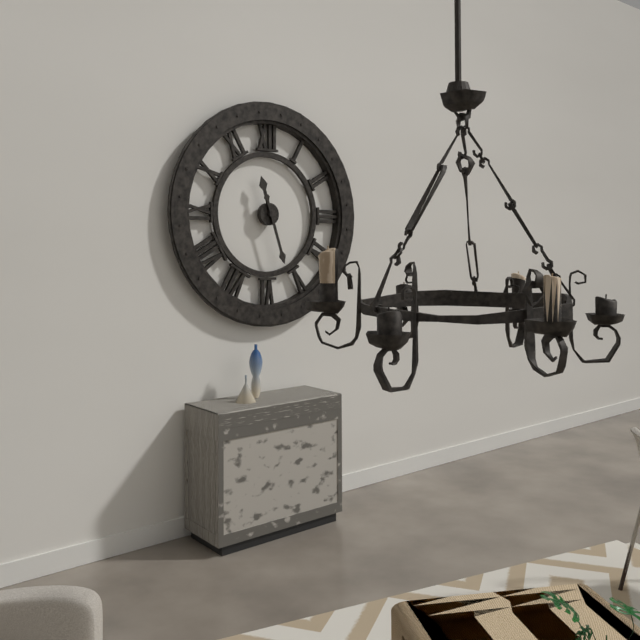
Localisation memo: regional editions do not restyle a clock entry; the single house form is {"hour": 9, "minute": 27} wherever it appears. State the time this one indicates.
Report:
{"hour": 11, "minute": 27}
